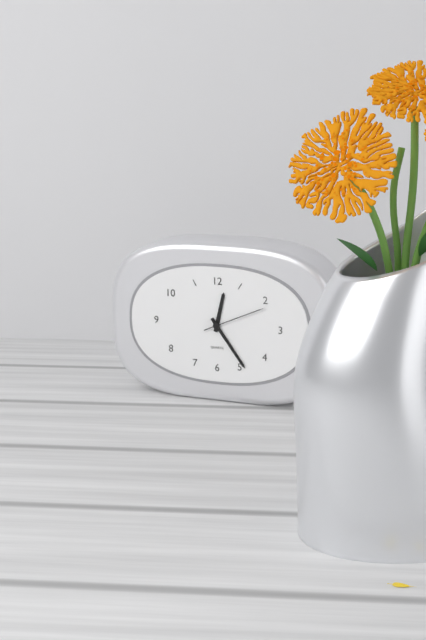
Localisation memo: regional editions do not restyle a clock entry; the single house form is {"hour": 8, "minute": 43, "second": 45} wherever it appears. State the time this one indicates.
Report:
{"hour": 12, "minute": 24, "second": 11}
